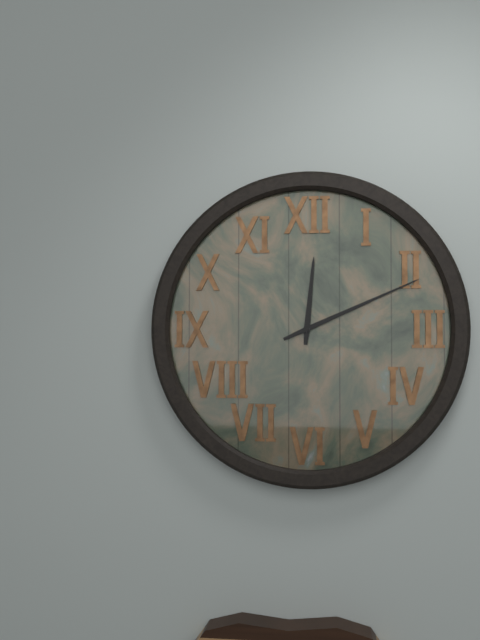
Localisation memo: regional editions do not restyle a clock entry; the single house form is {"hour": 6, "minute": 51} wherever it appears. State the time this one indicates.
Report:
{"hour": 12, "minute": 11}
